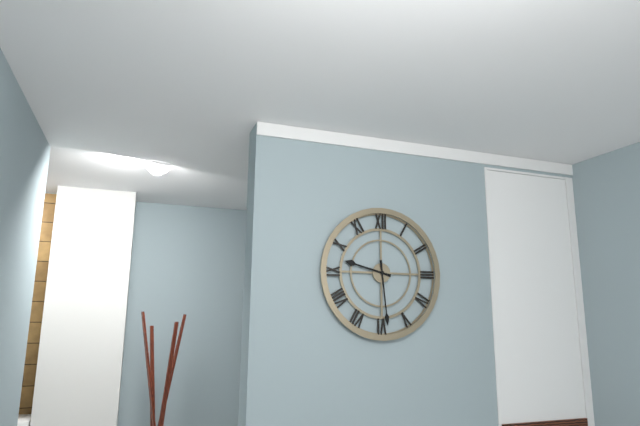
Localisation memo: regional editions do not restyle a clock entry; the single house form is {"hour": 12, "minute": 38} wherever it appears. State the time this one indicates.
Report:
{"hour": 9, "minute": 29}
